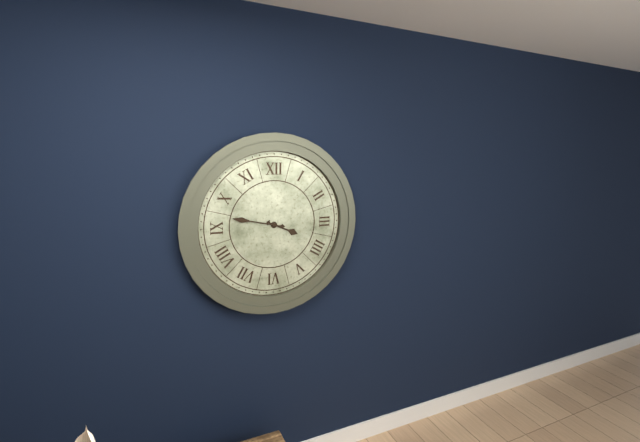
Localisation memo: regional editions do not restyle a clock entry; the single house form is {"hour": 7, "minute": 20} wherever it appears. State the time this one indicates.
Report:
{"hour": 3, "minute": 47}
